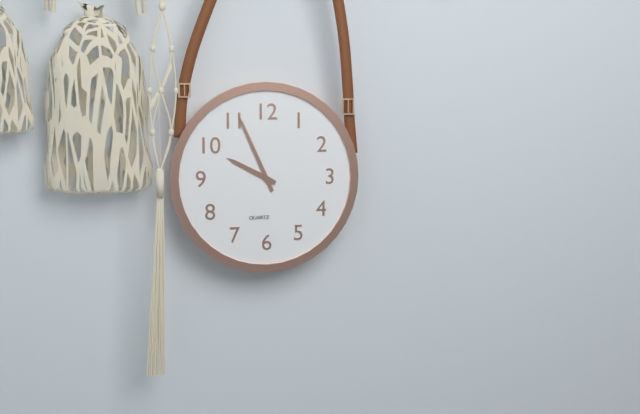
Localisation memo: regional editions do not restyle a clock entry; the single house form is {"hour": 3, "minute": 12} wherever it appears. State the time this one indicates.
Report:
{"hour": 9, "minute": 56}
